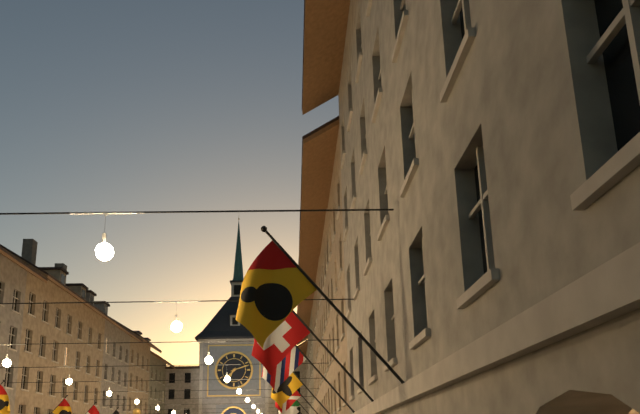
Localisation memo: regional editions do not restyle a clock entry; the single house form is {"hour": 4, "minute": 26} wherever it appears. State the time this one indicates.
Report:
{"hour": 7, "minute": 12}
